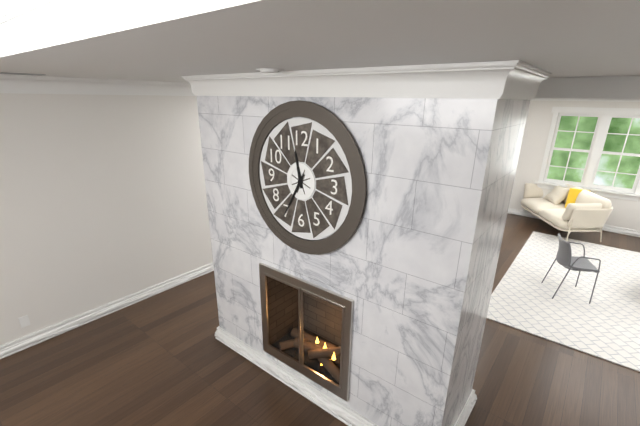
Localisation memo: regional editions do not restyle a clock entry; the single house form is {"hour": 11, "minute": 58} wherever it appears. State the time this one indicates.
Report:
{"hour": 11, "minute": 35}
